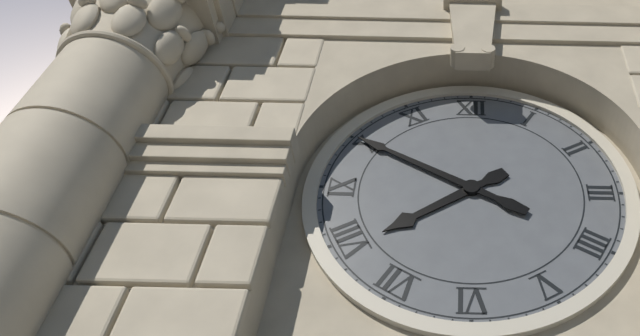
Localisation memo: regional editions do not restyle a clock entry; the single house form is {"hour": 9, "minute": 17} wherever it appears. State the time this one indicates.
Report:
{"hour": 7, "minute": 50}
